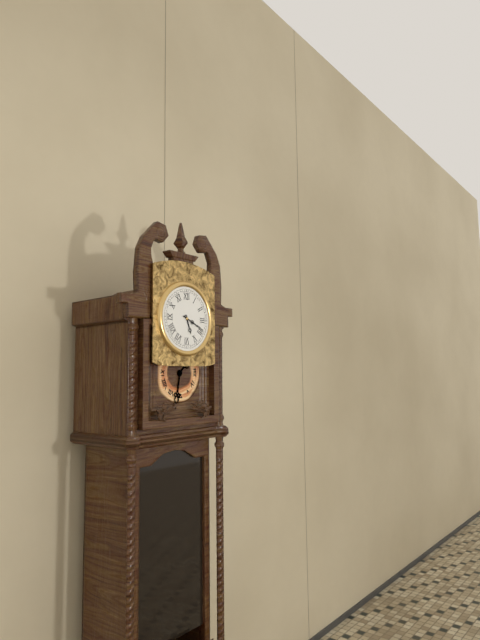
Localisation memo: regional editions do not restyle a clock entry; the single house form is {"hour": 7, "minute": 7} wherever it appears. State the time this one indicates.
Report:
{"hour": 5, "minute": 19}
